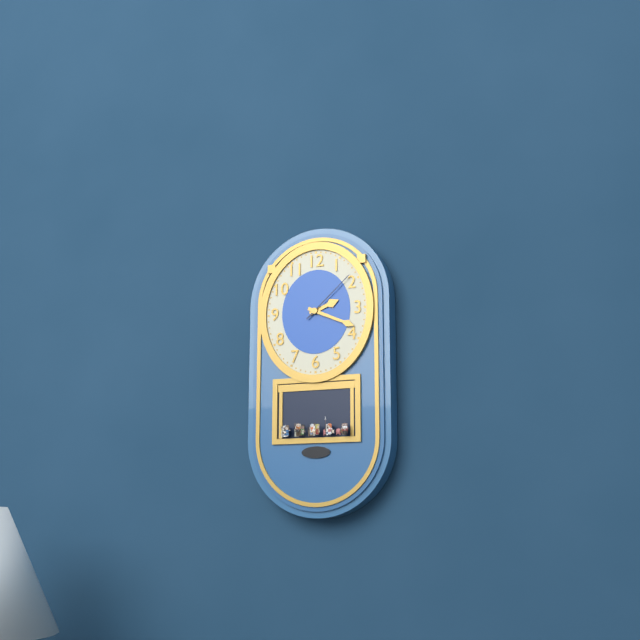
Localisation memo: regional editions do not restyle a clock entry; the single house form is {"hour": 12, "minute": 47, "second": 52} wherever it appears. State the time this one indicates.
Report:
{"hour": 2, "minute": 19, "second": 8}
